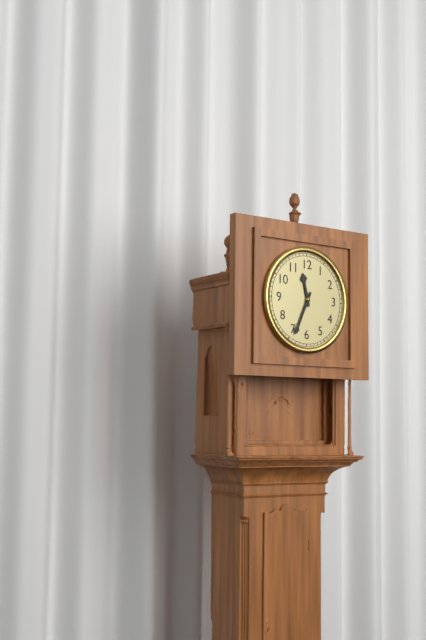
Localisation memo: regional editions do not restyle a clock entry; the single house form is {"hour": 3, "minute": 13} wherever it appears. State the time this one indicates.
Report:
{"hour": 11, "minute": 34}
